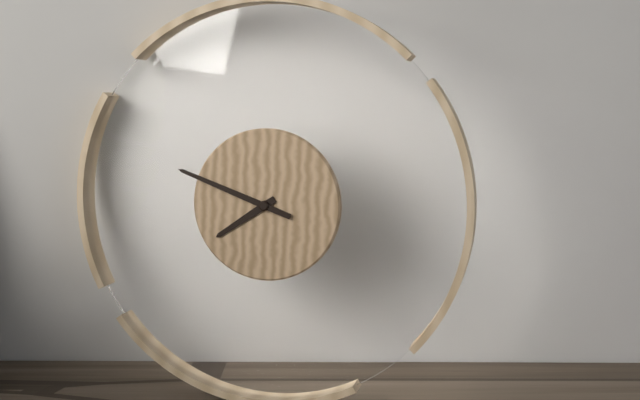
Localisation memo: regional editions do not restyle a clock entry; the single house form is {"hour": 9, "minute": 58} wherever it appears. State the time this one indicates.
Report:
{"hour": 7, "minute": 48}
